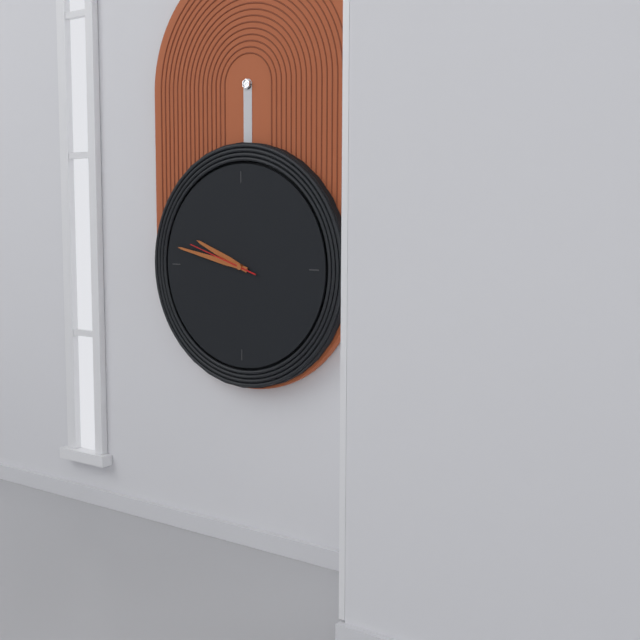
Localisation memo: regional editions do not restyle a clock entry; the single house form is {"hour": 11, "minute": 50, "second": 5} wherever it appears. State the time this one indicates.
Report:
{"hour": 9, "minute": 47, "second": 48}
